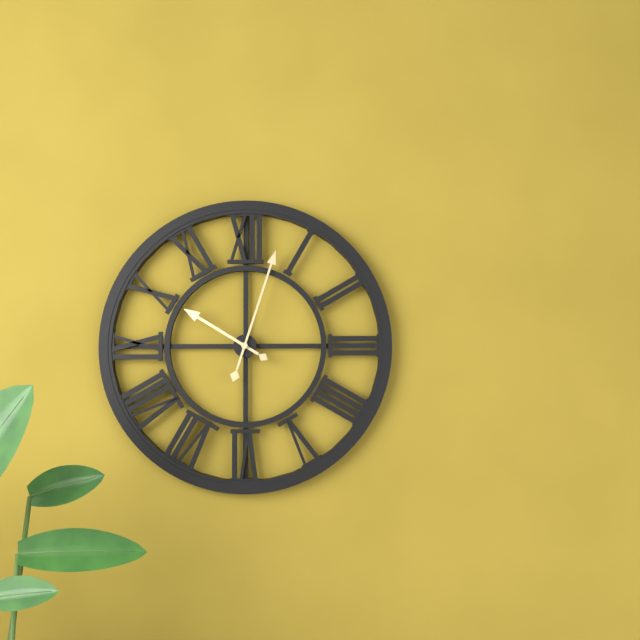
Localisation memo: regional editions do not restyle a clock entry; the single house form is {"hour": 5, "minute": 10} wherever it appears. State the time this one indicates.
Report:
{"hour": 10, "minute": 3}
